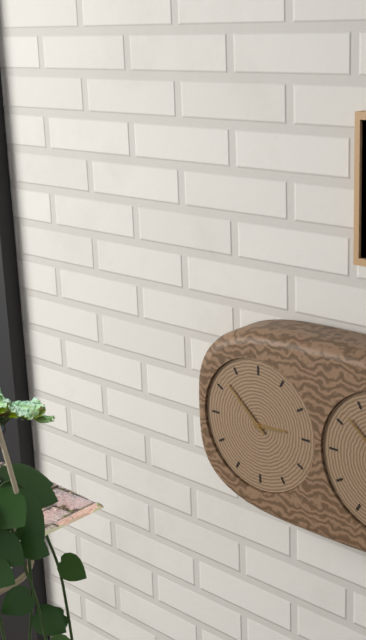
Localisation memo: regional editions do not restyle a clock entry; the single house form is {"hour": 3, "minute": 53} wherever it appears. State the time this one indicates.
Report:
{"hour": 2, "minute": 52}
